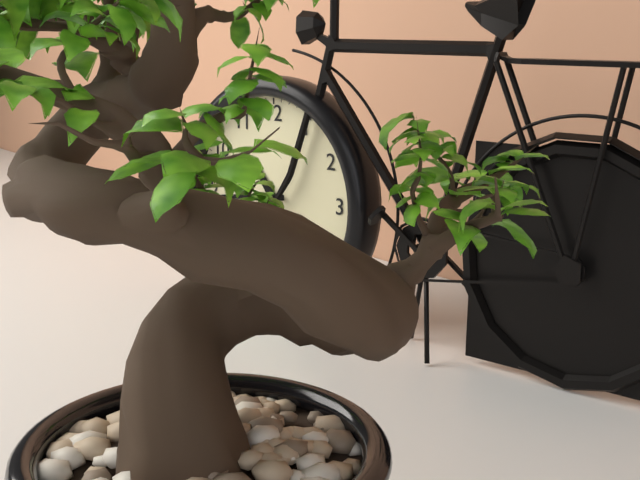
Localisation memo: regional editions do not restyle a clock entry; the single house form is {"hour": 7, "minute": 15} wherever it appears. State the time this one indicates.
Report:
{"hour": 10, "minute": 44}
